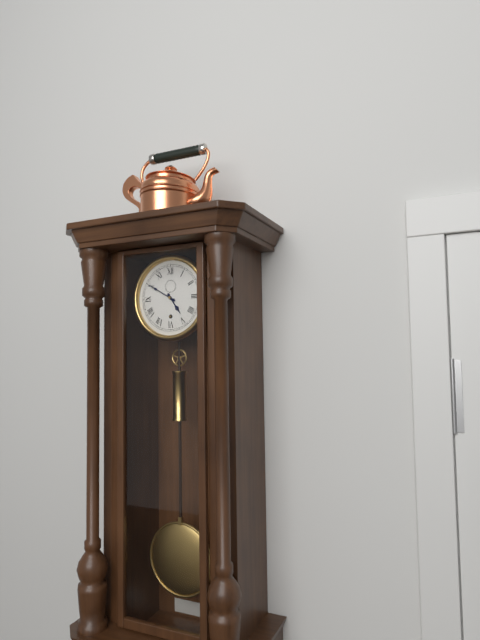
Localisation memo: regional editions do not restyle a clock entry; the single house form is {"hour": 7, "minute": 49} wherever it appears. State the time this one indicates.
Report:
{"hour": 4, "minute": 50}
